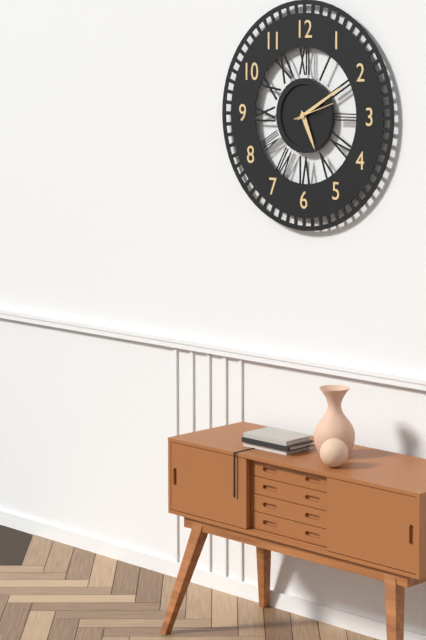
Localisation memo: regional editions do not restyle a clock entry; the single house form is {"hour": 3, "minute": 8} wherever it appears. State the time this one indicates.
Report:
{"hour": 5, "minute": 10}
